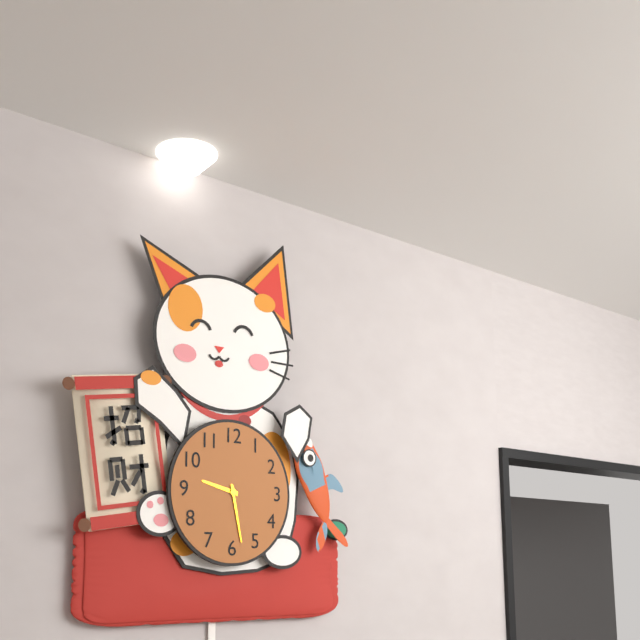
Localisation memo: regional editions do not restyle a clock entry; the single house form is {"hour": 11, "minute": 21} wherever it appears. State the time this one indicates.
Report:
{"hour": 9, "minute": 28}
